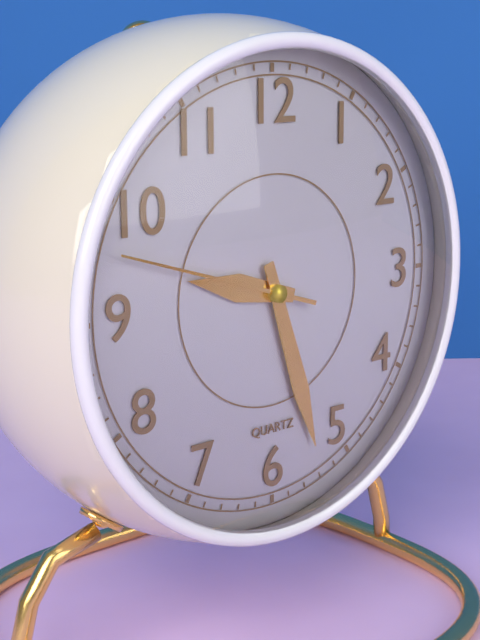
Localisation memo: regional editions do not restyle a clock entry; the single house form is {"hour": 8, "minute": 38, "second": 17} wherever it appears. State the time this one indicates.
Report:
{"hour": 9, "minute": 27, "second": 48}
